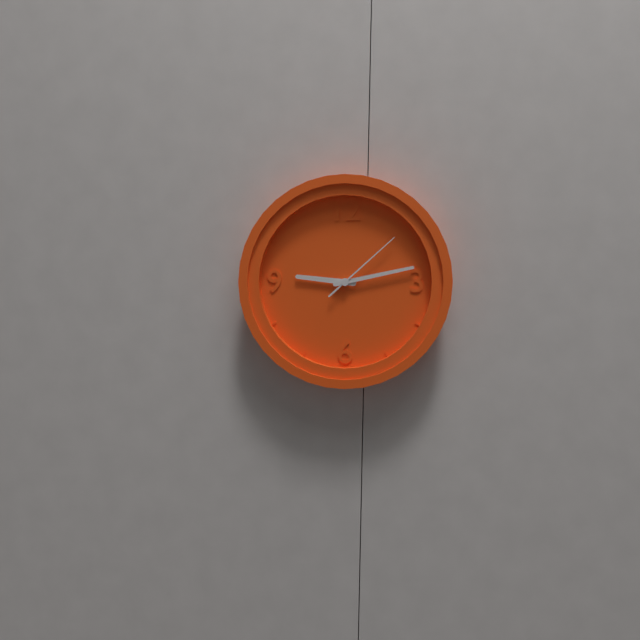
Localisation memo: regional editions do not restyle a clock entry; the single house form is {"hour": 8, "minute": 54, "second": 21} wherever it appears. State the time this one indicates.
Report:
{"hour": 9, "minute": 13, "second": 8}
